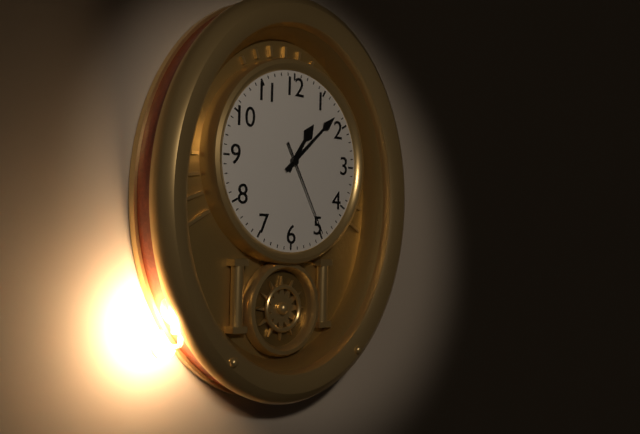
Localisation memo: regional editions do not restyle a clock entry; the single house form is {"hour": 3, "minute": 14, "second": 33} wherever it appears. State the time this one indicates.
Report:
{"hour": 1, "minute": 8, "second": 25}
